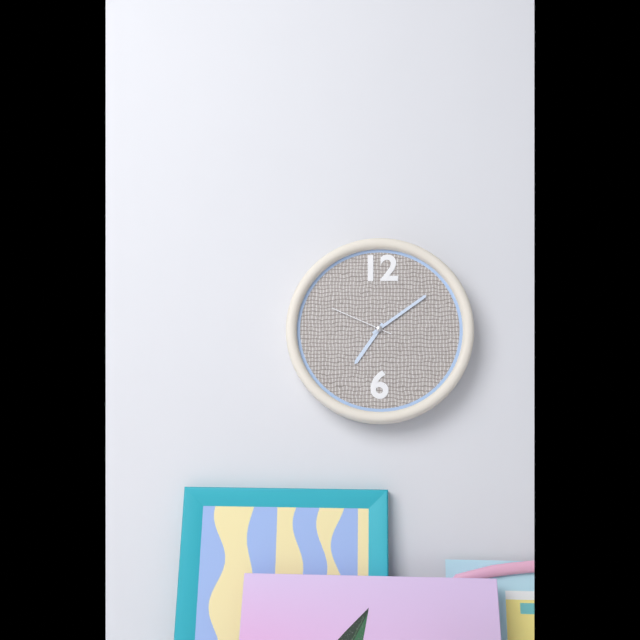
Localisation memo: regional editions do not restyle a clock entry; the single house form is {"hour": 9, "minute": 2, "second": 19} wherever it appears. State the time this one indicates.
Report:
{"hour": 7, "minute": 9, "second": 49}
